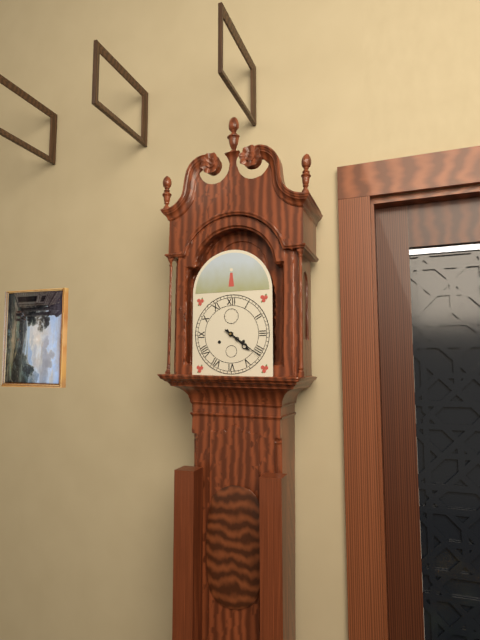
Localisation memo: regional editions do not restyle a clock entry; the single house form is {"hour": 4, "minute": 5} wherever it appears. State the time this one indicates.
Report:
{"hour": 4, "minute": 21}
